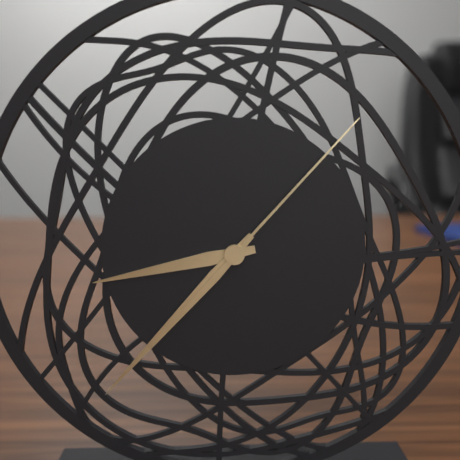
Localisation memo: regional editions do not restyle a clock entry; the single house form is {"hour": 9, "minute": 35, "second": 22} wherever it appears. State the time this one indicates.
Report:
{"hour": 8, "minute": 37, "second": 7}
